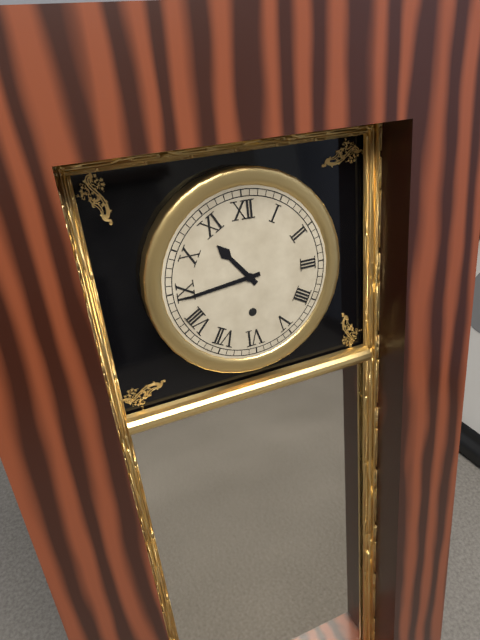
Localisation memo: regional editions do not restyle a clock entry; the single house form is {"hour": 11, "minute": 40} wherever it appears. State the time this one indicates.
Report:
{"hour": 10, "minute": 44}
